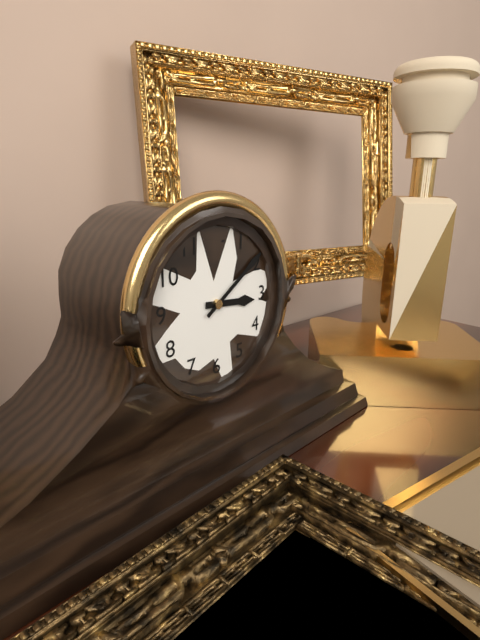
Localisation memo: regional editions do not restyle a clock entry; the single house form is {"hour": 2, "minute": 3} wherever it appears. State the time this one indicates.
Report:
{"hour": 3, "minute": 9}
